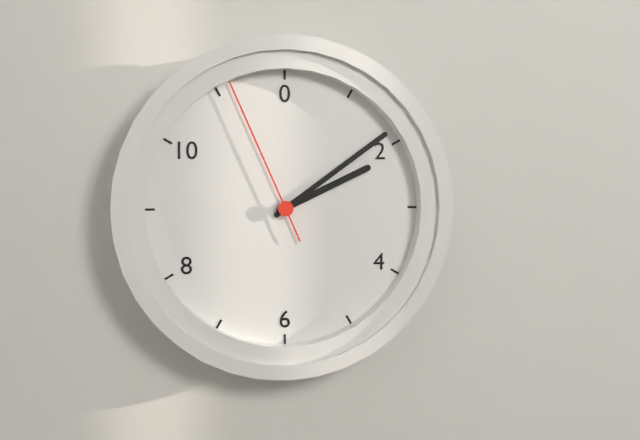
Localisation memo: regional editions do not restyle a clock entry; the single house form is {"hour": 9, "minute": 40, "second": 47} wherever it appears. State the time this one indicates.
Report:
{"hour": 2, "minute": 9, "second": 56}
